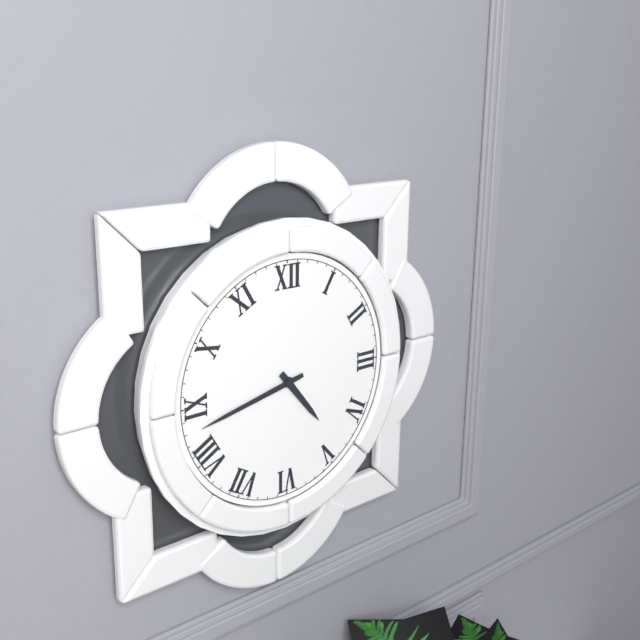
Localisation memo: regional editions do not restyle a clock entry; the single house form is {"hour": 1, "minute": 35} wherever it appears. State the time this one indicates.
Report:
{"hour": 4, "minute": 43}
